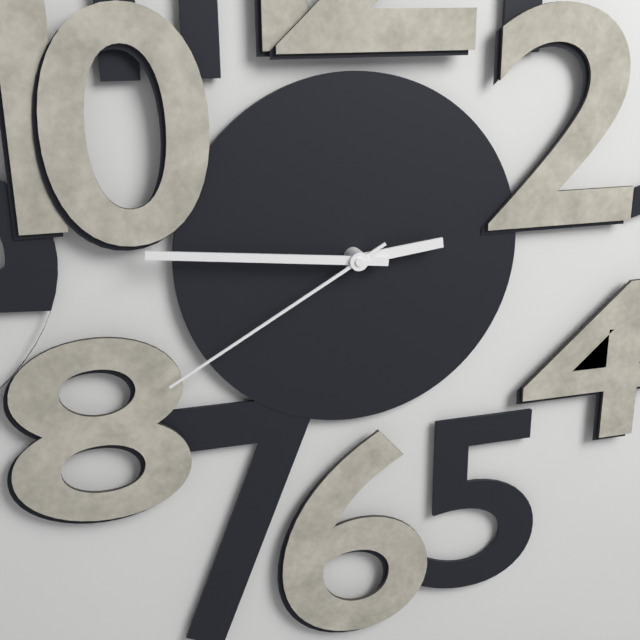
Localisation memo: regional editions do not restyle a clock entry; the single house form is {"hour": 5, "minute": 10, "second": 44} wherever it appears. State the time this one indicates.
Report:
{"hour": 2, "minute": 46, "second": 40}
